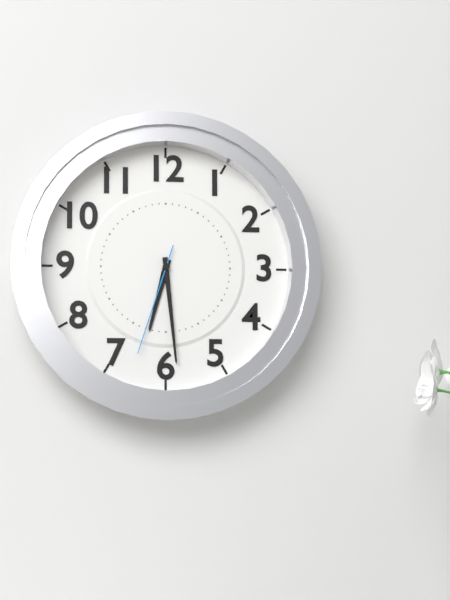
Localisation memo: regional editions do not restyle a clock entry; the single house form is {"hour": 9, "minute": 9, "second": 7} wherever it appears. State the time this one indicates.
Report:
{"hour": 6, "minute": 29, "second": 33}
